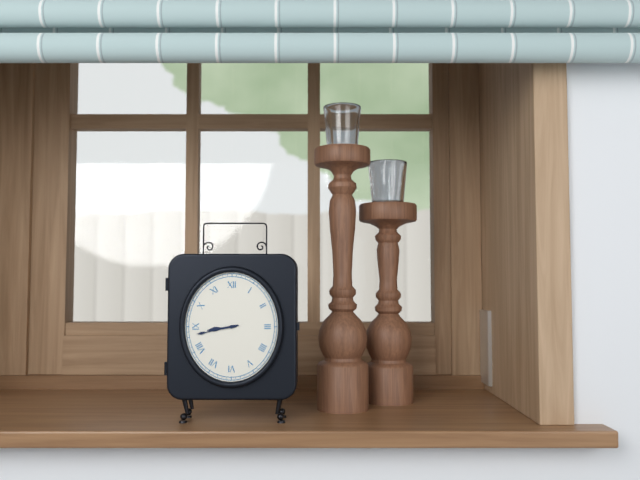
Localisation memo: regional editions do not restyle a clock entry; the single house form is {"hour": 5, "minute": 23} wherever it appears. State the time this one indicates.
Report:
{"hour": 8, "minute": 43}
